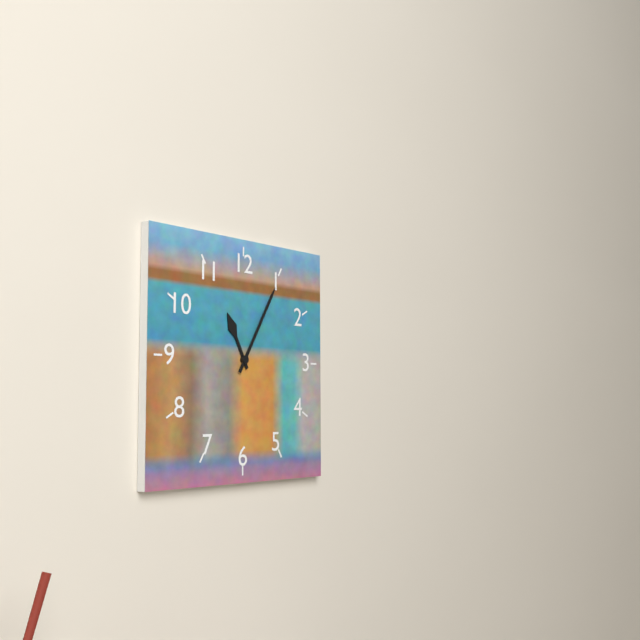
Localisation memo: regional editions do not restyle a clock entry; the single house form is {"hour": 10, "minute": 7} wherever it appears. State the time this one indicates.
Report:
{"hour": 11, "minute": 5}
